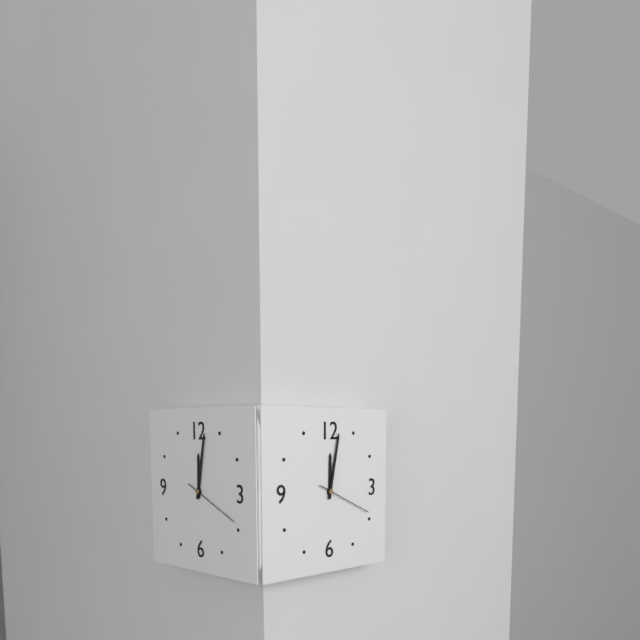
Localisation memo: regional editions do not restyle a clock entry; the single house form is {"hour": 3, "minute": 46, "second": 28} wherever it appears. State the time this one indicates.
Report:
{"hour": 12, "minute": 2, "second": 19}
